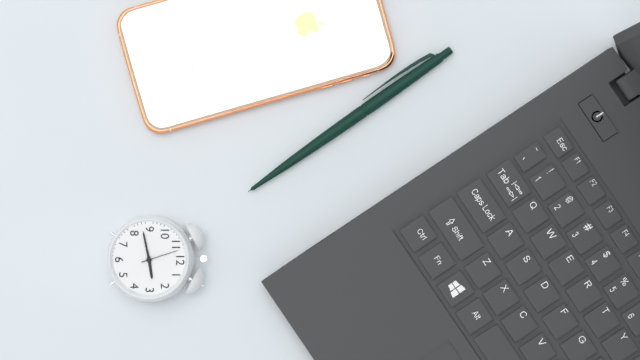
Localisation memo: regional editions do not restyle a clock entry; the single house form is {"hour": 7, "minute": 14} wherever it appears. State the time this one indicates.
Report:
{"hour": 2, "minute": 43}
